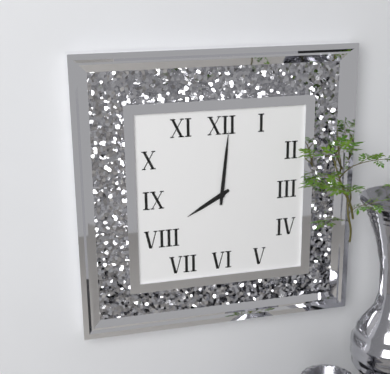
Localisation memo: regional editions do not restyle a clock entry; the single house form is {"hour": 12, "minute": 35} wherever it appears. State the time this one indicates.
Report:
{"hour": 8, "minute": 1}
